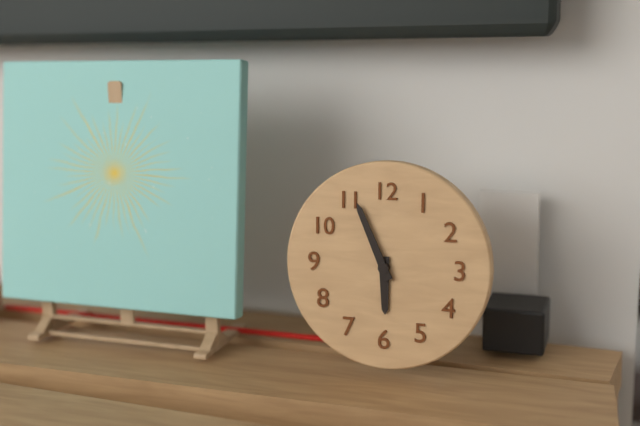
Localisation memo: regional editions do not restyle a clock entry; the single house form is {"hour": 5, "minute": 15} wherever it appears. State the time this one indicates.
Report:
{"hour": 5, "minute": 56}
